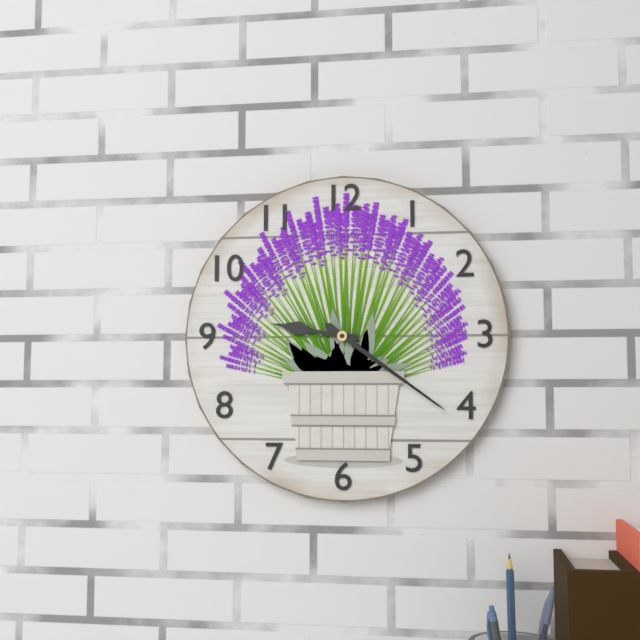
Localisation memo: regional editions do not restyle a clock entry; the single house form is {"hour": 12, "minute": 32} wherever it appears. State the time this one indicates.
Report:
{"hour": 9, "minute": 21}
